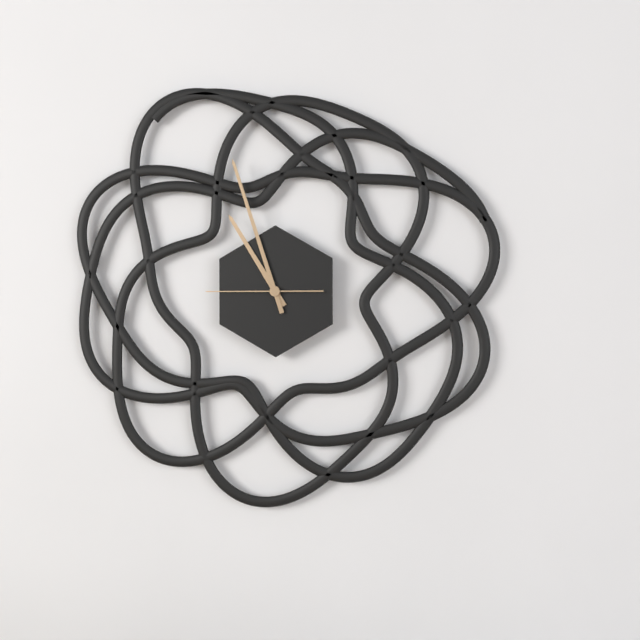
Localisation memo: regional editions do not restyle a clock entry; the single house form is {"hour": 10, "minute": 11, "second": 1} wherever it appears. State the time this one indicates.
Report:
{"hour": 10, "minute": 57, "second": 45}
